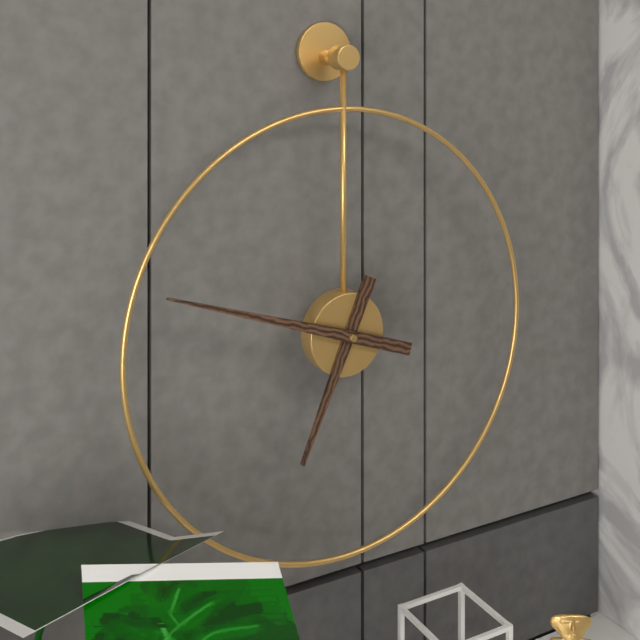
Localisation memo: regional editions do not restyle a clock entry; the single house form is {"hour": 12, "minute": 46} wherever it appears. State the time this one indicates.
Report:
{"hour": 6, "minute": 48}
